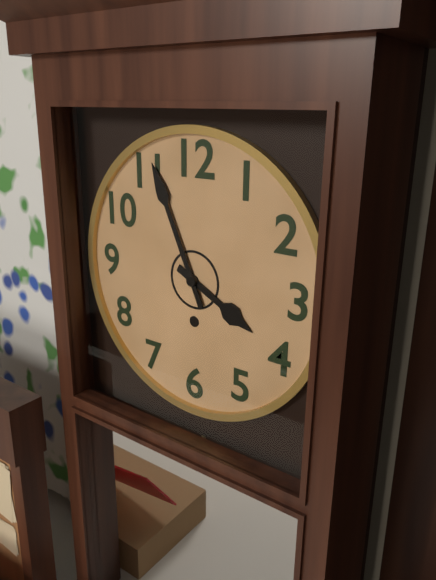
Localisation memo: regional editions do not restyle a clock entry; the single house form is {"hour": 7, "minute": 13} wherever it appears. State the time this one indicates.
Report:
{"hour": 3, "minute": 56}
